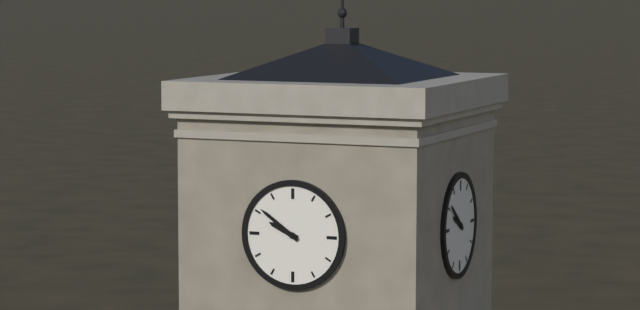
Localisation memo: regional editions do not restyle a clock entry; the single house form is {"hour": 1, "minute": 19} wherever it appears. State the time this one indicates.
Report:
{"hour": 9, "minute": 51}
